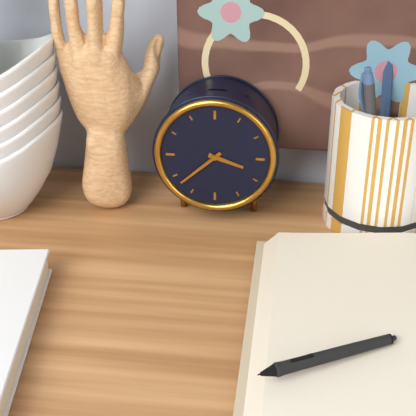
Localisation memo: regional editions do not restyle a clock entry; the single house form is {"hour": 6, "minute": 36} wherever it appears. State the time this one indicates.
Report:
{"hour": 3, "minute": 38}
